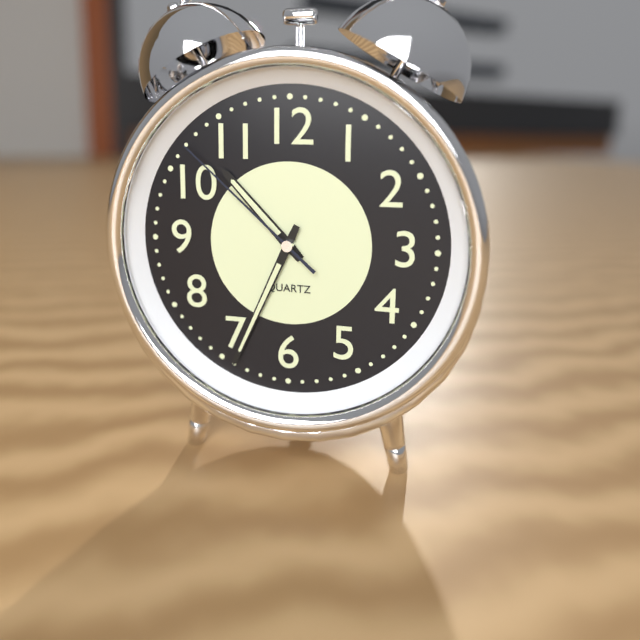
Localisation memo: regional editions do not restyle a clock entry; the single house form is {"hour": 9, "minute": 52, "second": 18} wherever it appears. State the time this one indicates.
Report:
{"hour": 10, "minute": 34, "second": 52}
